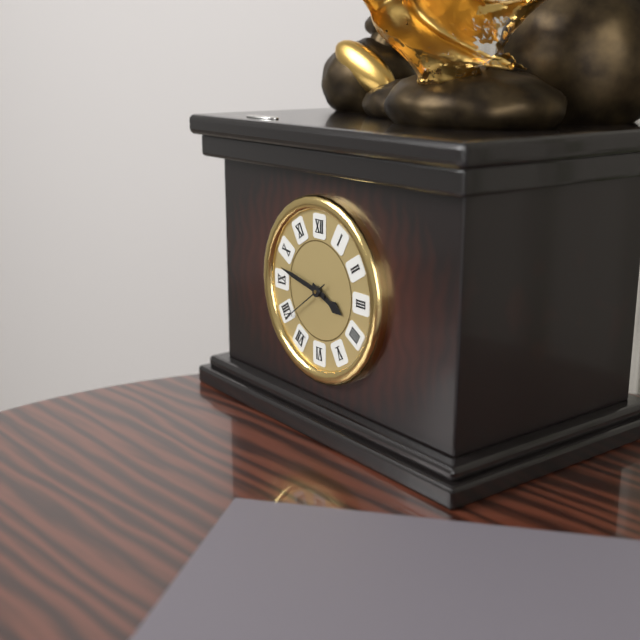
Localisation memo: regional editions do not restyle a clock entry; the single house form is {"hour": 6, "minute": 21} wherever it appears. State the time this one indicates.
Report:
{"hour": 3, "minute": 47}
